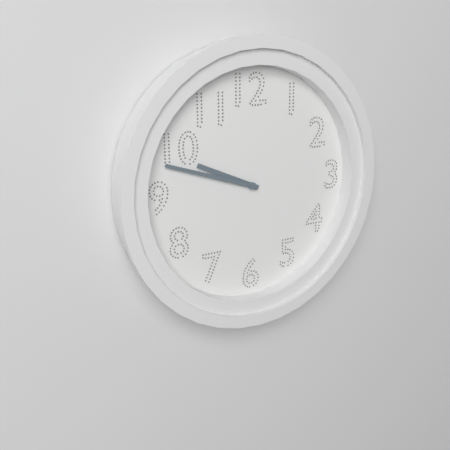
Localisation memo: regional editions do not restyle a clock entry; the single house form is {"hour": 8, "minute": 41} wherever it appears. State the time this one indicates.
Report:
{"hour": 9, "minute": 48}
